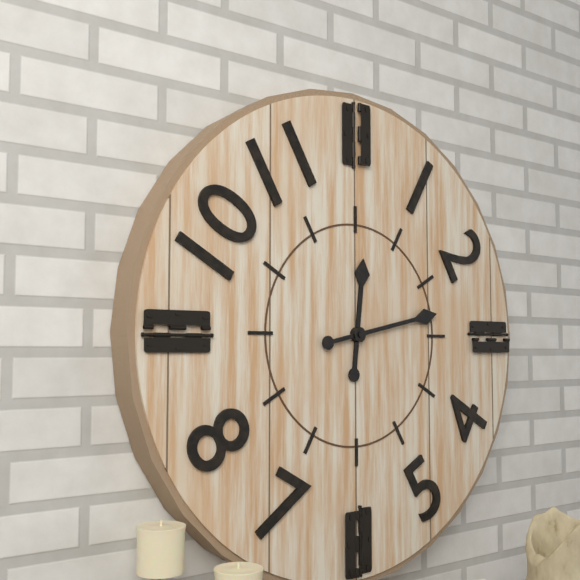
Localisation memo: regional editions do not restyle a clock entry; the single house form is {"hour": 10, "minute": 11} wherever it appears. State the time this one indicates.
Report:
{"hour": 12, "minute": 13}
